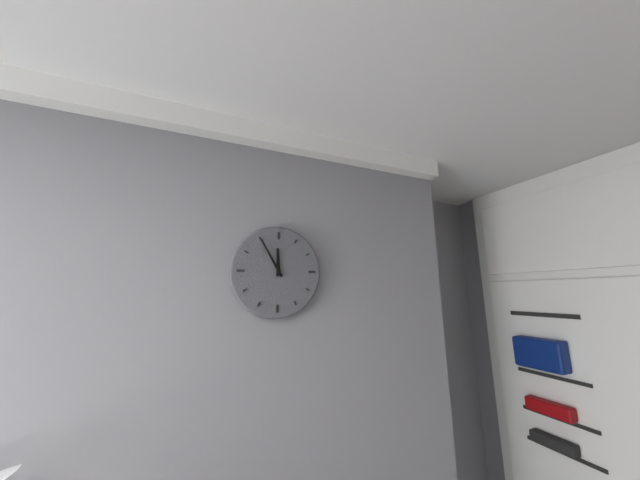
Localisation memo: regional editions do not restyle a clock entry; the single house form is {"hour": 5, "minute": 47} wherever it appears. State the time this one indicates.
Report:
{"hour": 11, "minute": 55}
